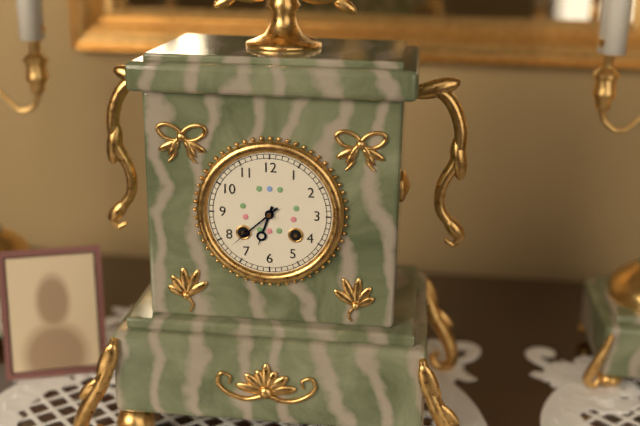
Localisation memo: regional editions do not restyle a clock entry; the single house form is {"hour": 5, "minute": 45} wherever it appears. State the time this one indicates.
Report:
{"hour": 6, "minute": 38}
